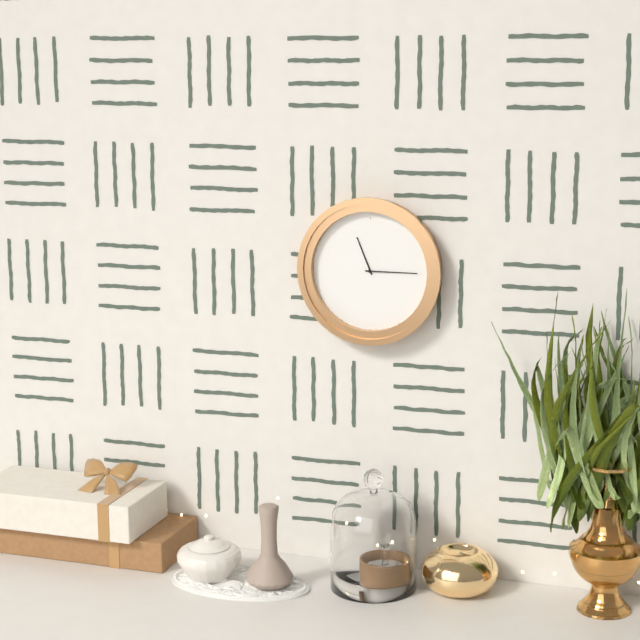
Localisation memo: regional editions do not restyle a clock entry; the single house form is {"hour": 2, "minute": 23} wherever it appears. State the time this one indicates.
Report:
{"hour": 11, "minute": 15}
